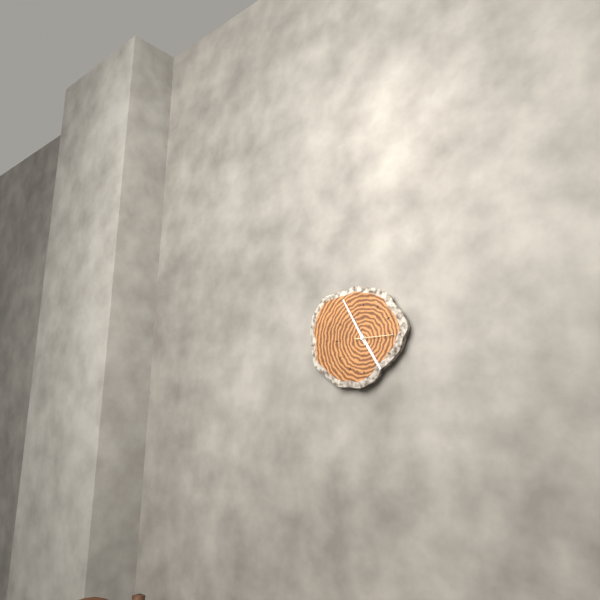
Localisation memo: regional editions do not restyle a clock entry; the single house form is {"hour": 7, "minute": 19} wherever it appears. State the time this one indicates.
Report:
{"hour": 4, "minute": 55}
